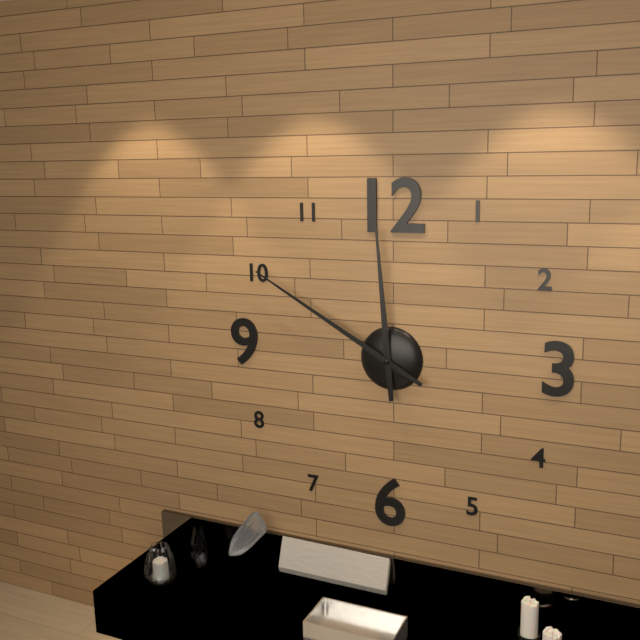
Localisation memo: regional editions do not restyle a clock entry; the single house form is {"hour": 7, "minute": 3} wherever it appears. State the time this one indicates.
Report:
{"hour": 11, "minute": 50}
